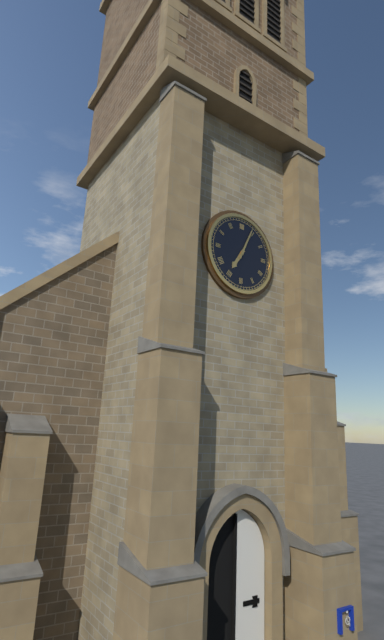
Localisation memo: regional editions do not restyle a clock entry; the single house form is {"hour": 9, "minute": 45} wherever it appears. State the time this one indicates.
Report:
{"hour": 7, "minute": 4}
